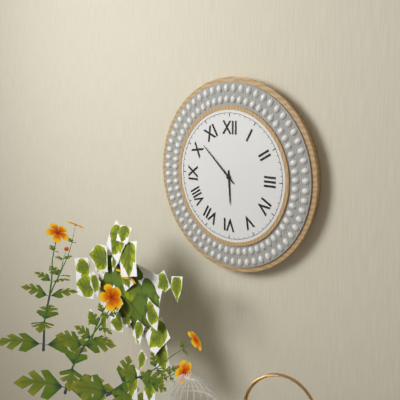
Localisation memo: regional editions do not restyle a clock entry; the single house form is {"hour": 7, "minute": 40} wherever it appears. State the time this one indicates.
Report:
{"hour": 5, "minute": 52}
